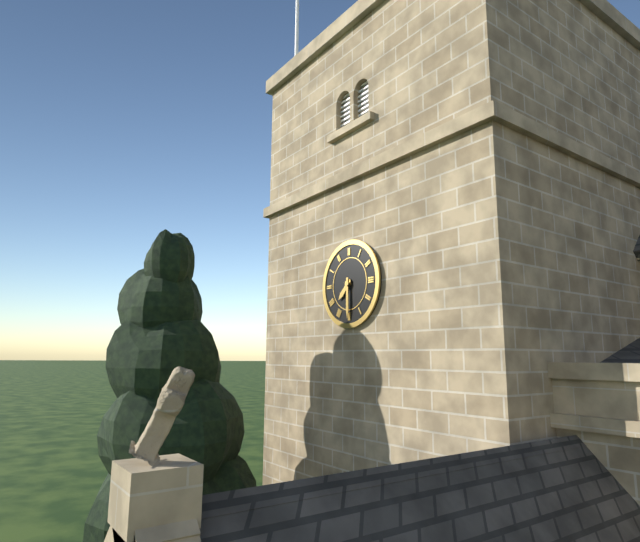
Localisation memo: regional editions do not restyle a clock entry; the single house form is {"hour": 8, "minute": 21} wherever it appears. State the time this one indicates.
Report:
{"hour": 7, "minute": 30}
